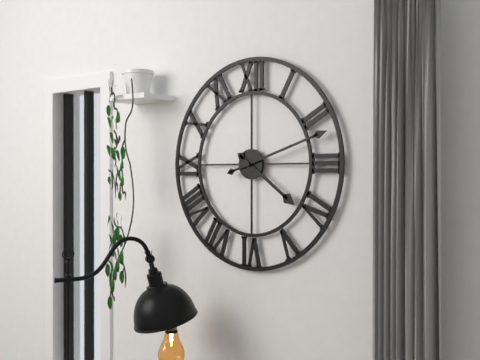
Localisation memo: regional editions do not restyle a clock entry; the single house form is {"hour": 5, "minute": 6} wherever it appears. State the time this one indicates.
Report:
{"hour": 4, "minute": 12}
